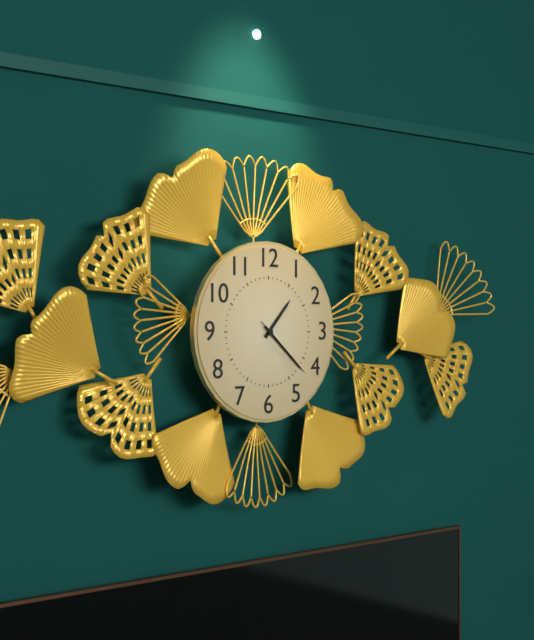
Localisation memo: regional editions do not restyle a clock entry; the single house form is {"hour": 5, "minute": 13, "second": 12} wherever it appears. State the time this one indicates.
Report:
{"hour": 1, "minute": 22, "second": 22}
